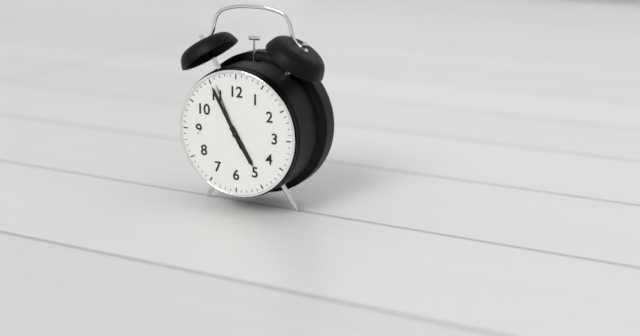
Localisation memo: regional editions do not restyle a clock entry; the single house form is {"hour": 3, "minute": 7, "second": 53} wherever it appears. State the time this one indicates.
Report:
{"hour": 4, "minute": 55, "second": 56}
